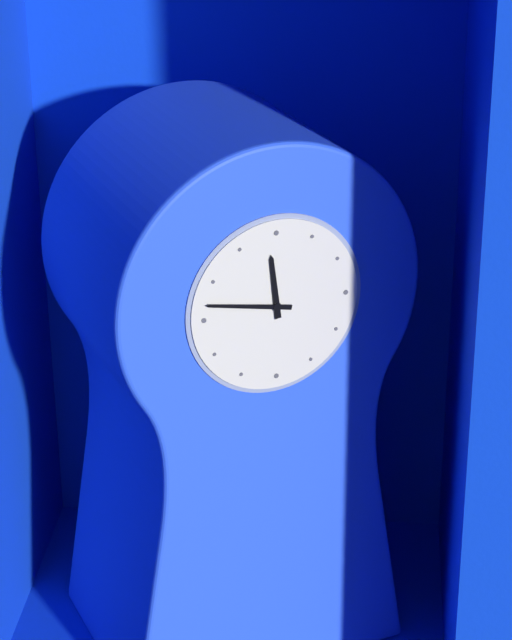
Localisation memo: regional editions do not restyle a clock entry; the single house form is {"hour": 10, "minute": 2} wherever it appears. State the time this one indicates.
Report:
{"hour": 11, "minute": 47}
